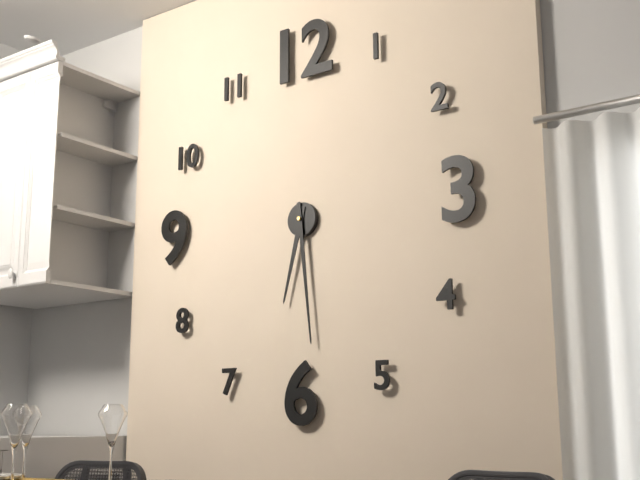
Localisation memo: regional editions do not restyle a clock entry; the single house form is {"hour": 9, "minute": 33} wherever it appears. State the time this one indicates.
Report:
{"hour": 6, "minute": 29}
